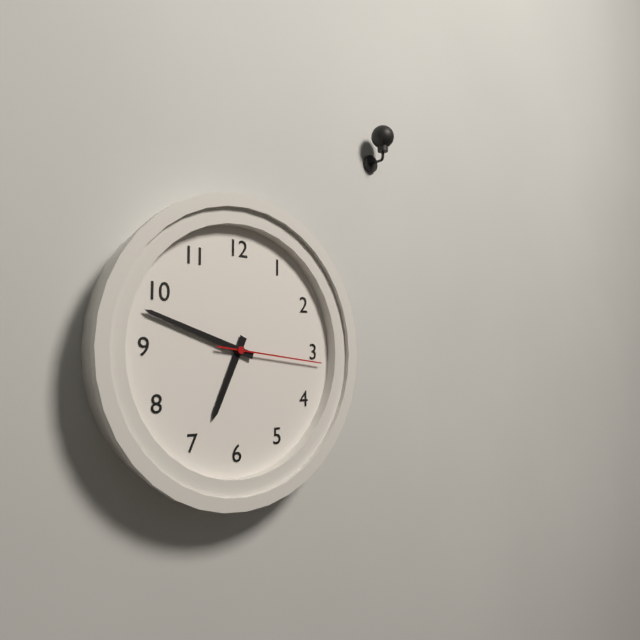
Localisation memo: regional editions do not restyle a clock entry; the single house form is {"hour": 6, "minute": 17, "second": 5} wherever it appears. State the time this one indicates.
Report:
{"hour": 6, "minute": 48, "second": 16}
